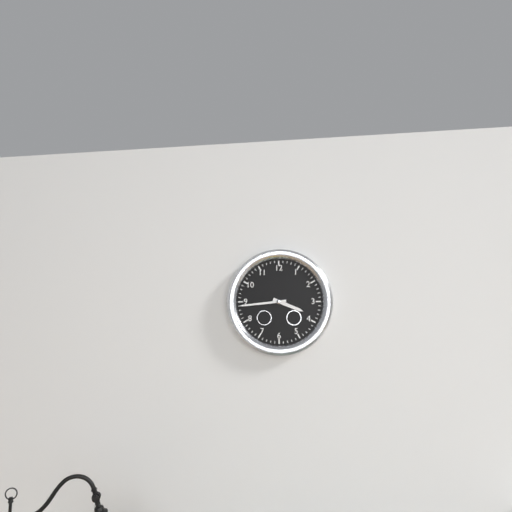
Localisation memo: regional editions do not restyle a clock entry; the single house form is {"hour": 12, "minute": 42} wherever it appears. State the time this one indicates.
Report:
{"hour": 3, "minute": 44}
